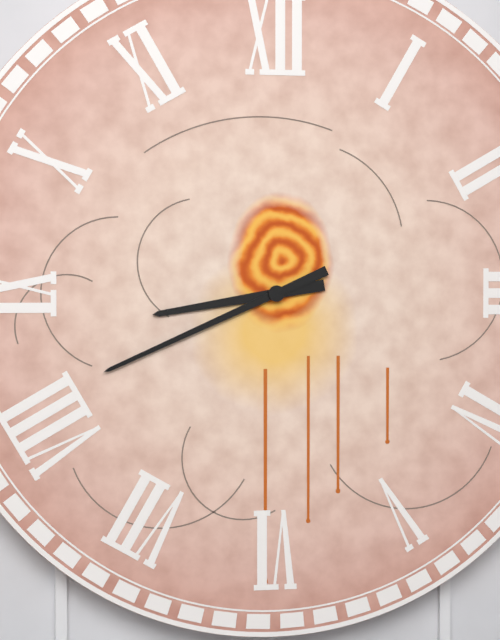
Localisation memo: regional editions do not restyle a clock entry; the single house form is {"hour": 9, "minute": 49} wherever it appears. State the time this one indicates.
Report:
{"hour": 8, "minute": 41}
